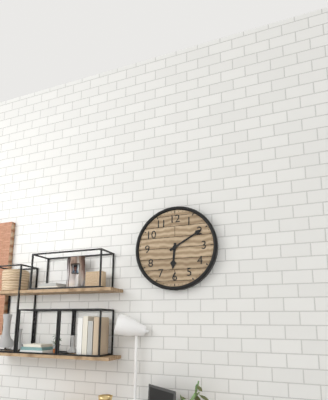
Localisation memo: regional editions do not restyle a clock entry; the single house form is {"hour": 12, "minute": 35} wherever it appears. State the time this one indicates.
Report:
{"hour": 6, "minute": 10}
